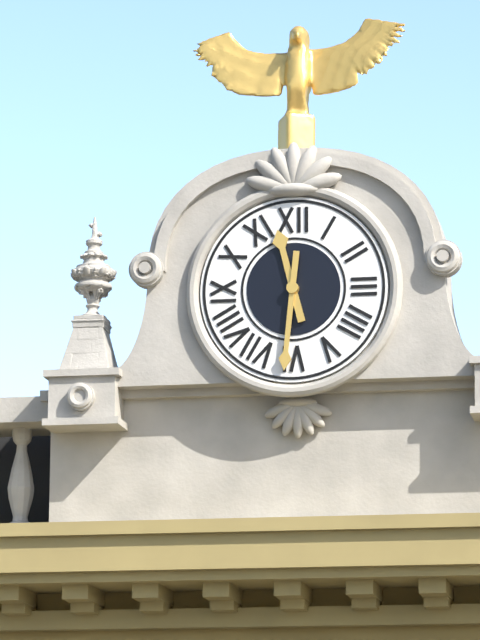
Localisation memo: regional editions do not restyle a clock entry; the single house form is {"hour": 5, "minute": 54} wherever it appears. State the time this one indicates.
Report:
{"hour": 11, "minute": 31}
